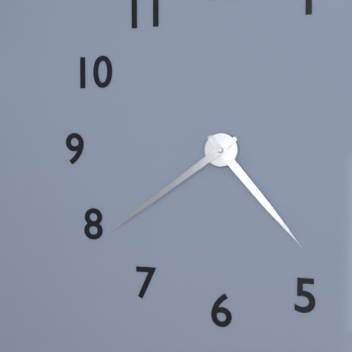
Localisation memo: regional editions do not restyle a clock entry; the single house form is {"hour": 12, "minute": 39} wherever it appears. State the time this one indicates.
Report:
{"hour": 4, "minute": 39}
